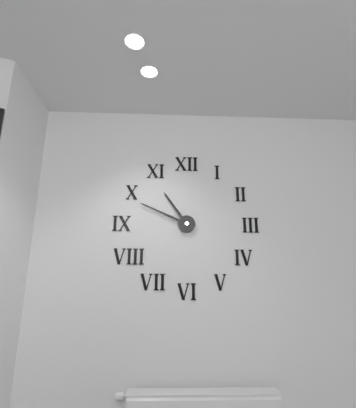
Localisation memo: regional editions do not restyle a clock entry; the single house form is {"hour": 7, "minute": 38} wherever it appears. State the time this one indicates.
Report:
{"hour": 10, "minute": 49}
